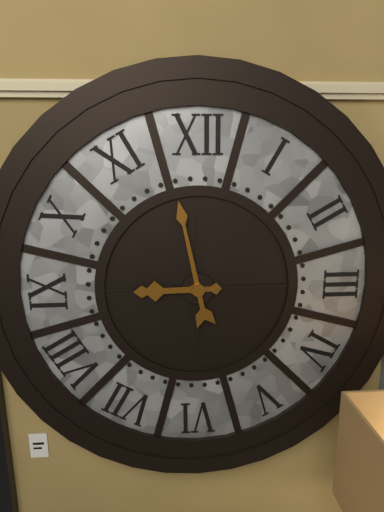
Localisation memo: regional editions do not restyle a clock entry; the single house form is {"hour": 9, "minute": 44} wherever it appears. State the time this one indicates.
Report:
{"hour": 8, "minute": 58}
